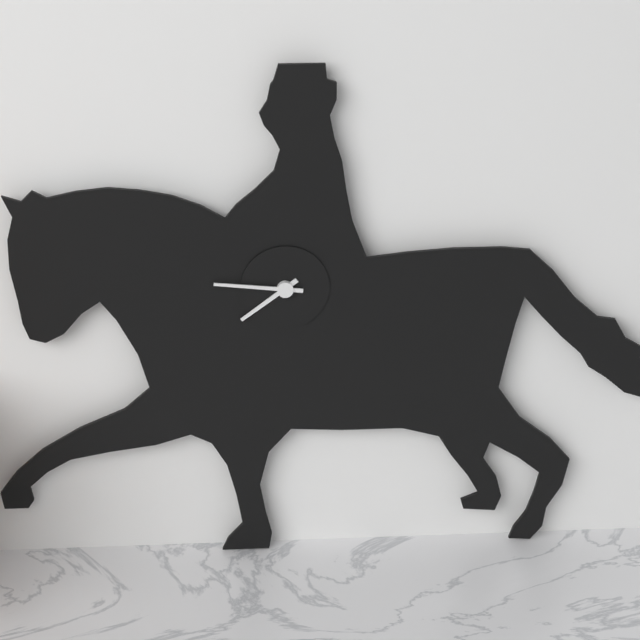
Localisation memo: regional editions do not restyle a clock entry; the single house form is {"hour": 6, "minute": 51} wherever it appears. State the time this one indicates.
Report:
{"hour": 7, "minute": 46}
